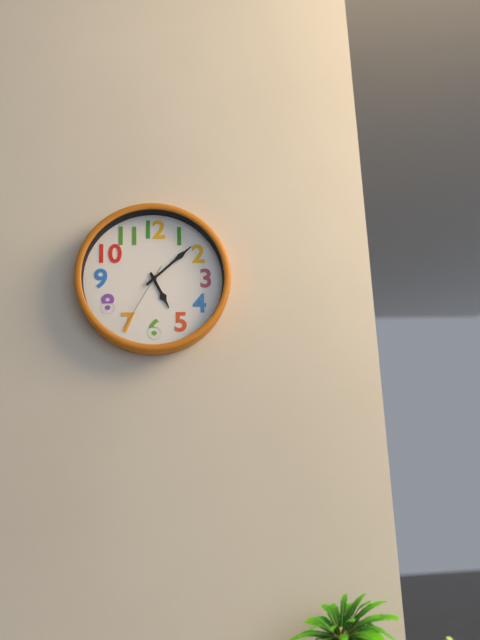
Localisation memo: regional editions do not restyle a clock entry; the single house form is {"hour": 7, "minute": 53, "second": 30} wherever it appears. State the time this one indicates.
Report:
{"hour": 5, "minute": 8, "second": 35}
